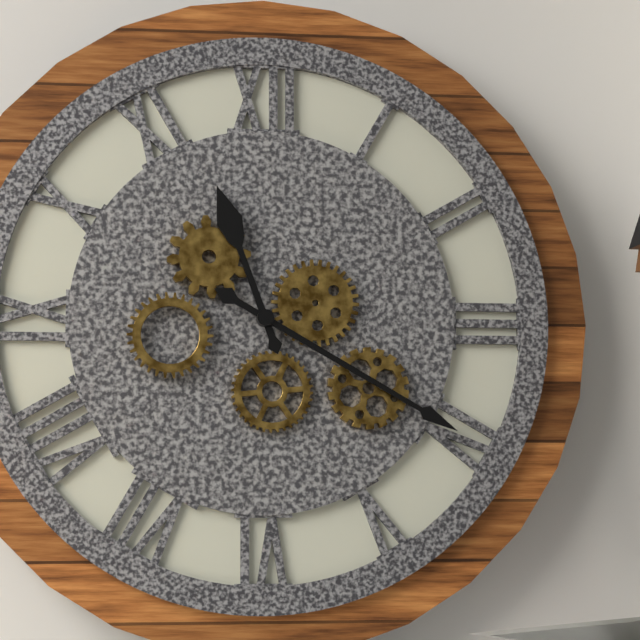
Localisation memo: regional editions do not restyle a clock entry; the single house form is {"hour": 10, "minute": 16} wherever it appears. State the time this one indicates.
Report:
{"hour": 11, "minute": 20}
